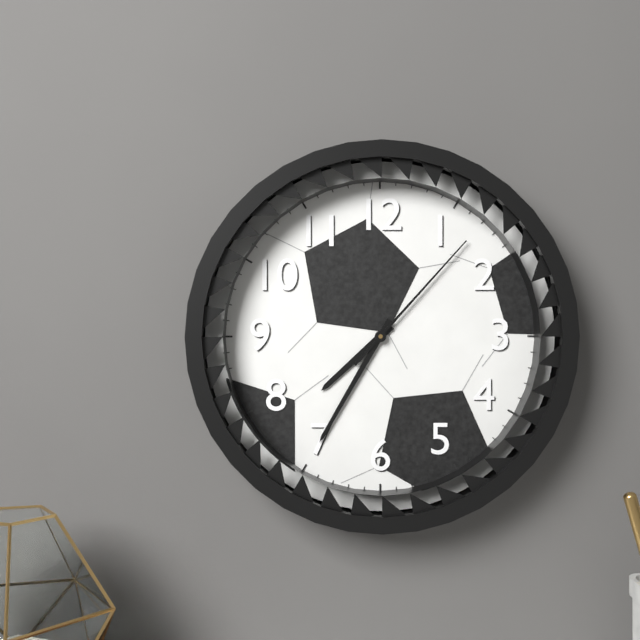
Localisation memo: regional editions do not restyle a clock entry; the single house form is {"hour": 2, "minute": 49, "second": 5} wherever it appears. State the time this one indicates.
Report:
{"hour": 7, "minute": 35, "second": 7}
